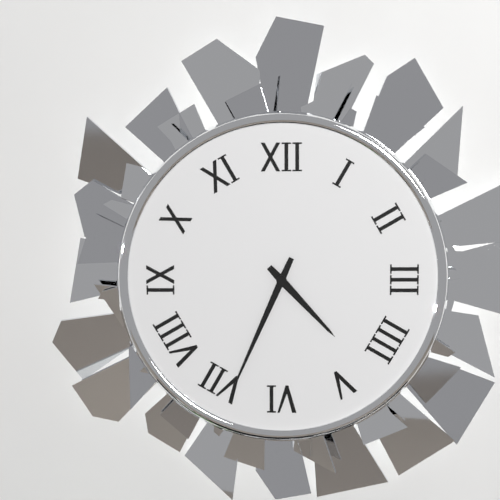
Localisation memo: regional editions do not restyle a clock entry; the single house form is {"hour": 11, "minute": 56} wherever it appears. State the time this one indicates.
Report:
{"hour": 4, "minute": 34}
